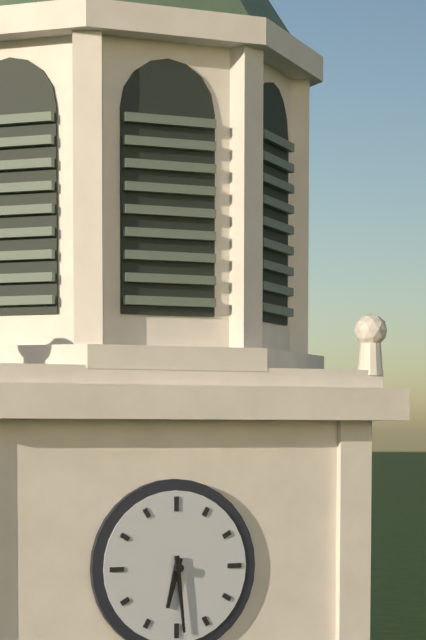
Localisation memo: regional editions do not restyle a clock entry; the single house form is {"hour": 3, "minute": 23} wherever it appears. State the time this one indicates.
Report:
{"hour": 6, "minute": 29}
